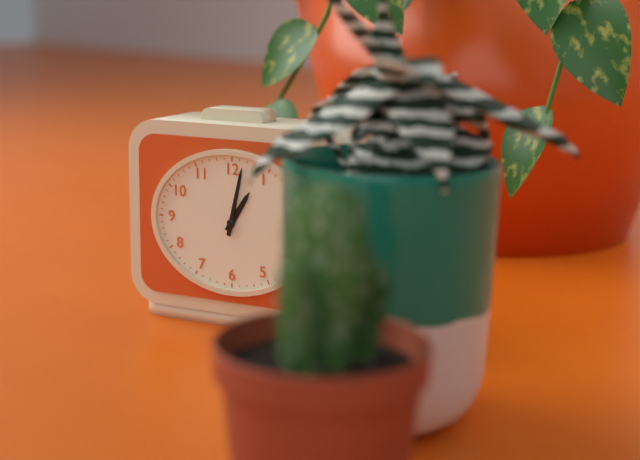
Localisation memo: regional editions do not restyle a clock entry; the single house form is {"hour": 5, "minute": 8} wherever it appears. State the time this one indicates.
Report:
{"hour": 1, "minute": 2}
